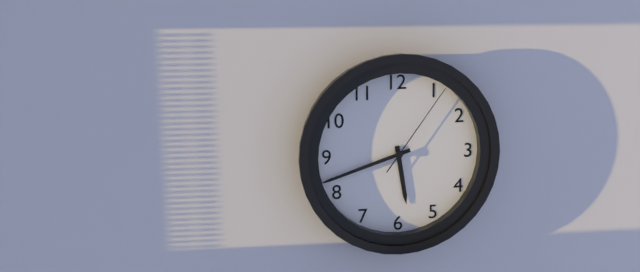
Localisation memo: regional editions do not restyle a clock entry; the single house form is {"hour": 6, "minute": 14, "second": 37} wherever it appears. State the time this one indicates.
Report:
{"hour": 5, "minute": 42, "second": 6}
